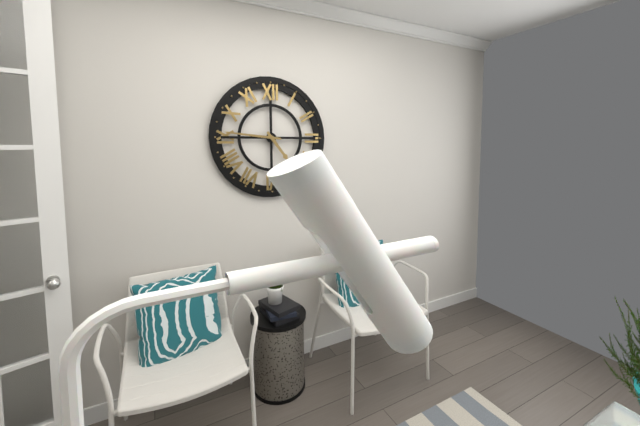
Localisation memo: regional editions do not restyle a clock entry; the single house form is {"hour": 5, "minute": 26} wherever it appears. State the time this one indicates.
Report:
{"hour": 4, "minute": 46}
